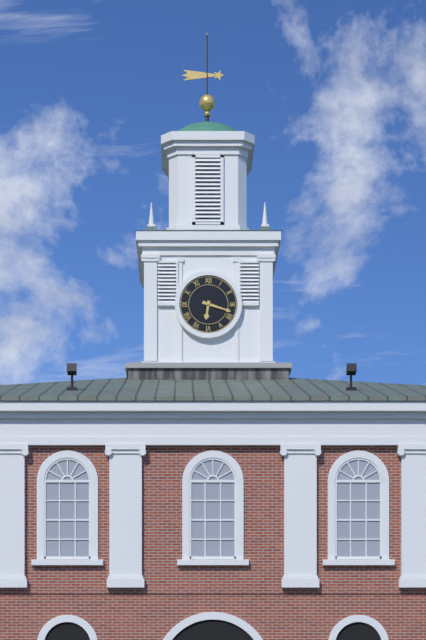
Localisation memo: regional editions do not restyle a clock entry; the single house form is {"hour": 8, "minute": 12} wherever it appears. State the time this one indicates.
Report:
{"hour": 6, "minute": 18}
